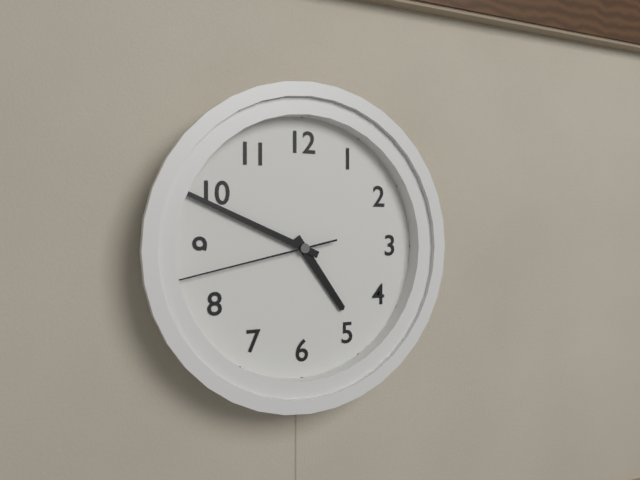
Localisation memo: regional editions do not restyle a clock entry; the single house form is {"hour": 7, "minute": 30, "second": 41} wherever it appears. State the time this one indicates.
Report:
{"hour": 4, "minute": 49, "second": 43}
